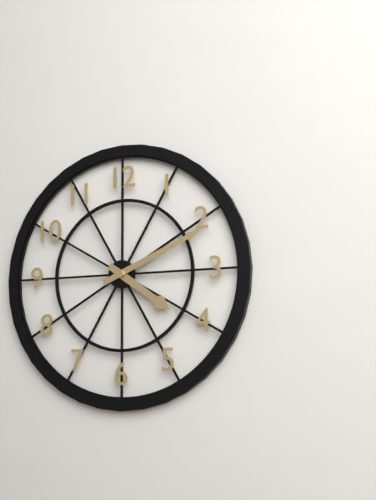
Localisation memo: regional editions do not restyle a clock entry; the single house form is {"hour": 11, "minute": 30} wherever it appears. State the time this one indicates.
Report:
{"hour": 4, "minute": 11}
